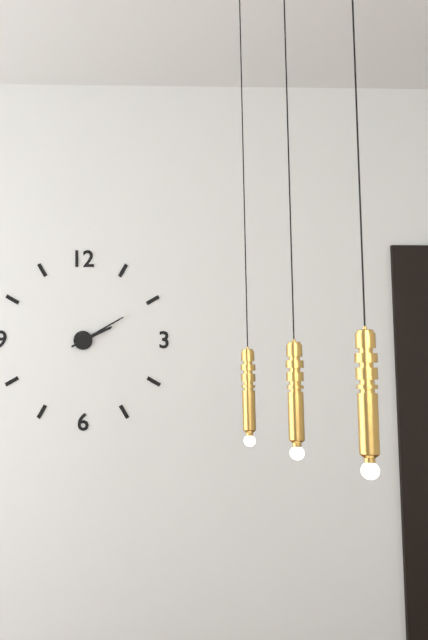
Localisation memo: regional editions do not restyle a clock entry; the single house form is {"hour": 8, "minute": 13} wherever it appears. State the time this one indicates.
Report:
{"hour": 2, "minute": 10}
